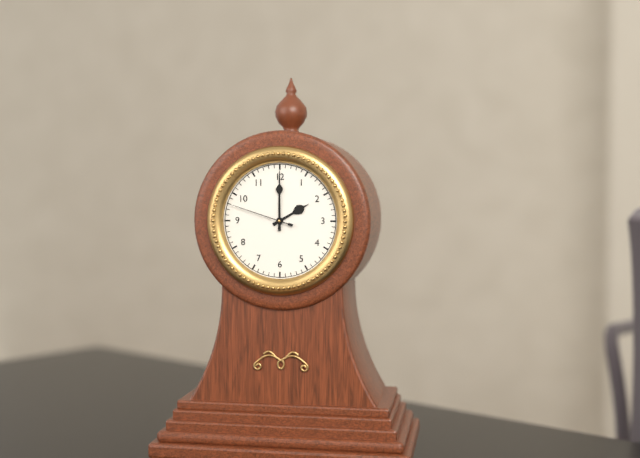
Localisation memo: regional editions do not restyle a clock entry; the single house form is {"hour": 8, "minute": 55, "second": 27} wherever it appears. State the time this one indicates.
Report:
{"hour": 2, "minute": 0, "second": 48}
